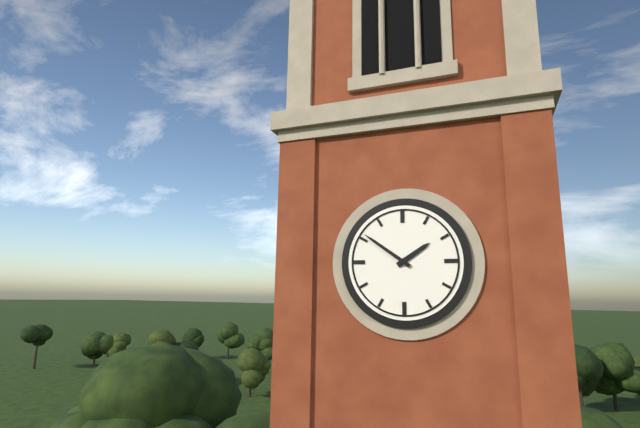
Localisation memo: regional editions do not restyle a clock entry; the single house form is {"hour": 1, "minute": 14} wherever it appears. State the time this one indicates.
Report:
{"hour": 1, "minute": 51}
